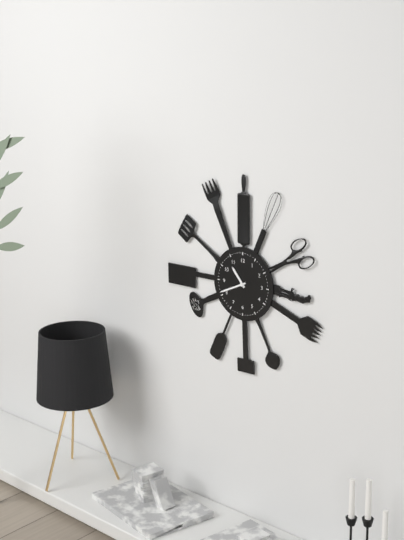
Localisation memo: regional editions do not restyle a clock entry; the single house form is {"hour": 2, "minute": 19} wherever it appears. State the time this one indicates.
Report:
{"hour": 10, "minute": 41}
